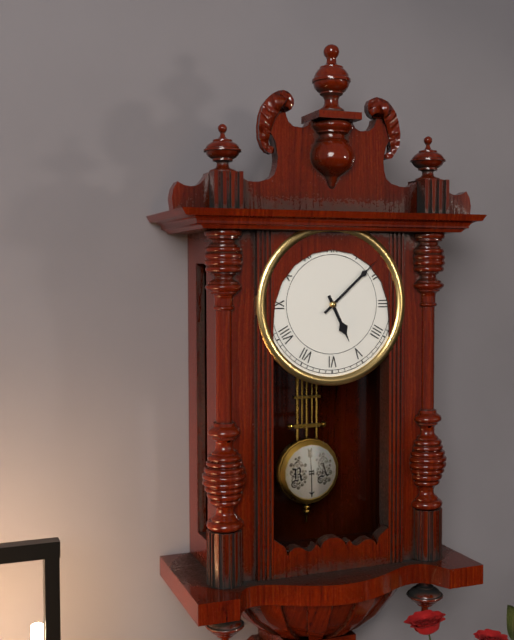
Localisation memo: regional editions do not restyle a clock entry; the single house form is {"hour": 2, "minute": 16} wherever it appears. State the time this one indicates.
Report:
{"hour": 5, "minute": 8}
